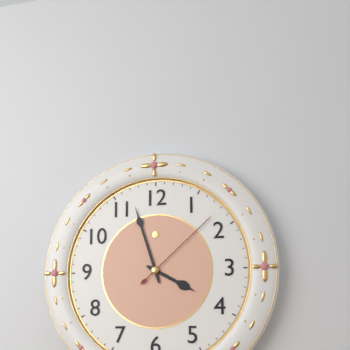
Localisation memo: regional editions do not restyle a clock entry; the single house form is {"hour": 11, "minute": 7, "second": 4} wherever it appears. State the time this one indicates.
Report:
{"hour": 3, "minute": 57, "second": 8}
